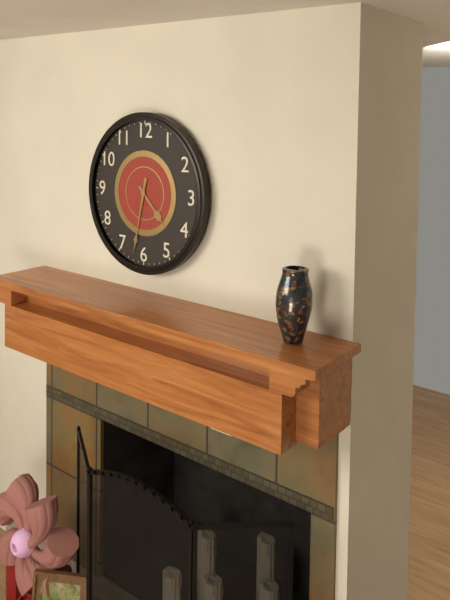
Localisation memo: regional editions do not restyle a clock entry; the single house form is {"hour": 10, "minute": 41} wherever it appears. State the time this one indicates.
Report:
{"hour": 4, "minute": 32}
